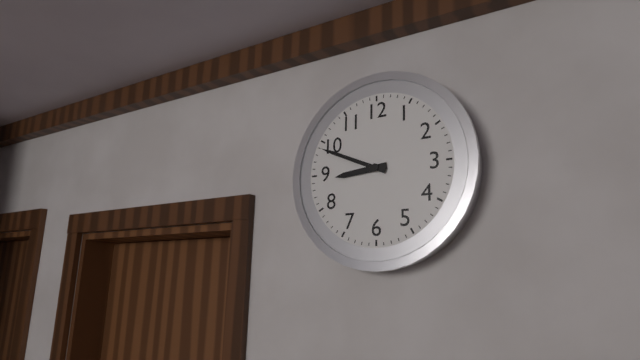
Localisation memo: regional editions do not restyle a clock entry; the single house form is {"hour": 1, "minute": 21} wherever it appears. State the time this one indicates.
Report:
{"hour": 8, "minute": 49}
